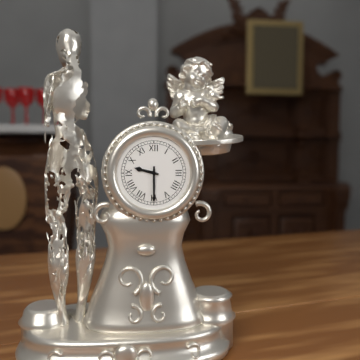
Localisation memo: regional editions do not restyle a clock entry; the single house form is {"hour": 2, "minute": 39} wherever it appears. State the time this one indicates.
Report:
{"hour": 9, "minute": 30}
